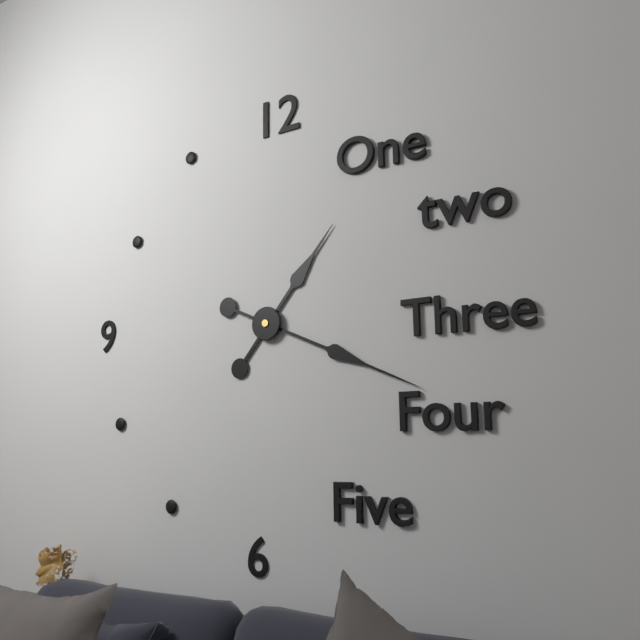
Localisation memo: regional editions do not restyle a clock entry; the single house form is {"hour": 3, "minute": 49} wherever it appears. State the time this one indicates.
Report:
{"hour": 1, "minute": 19}
